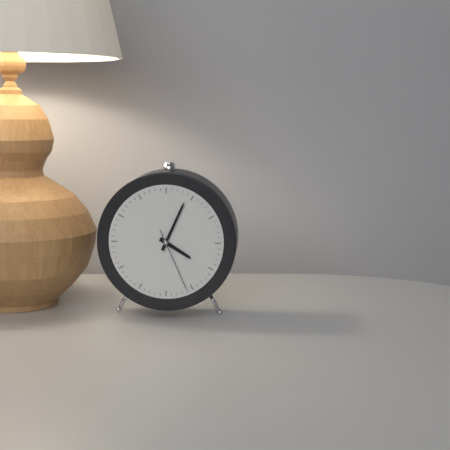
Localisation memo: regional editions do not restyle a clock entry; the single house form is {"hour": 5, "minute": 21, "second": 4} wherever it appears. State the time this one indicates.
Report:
{"hour": 4, "minute": 4, "second": 26}
